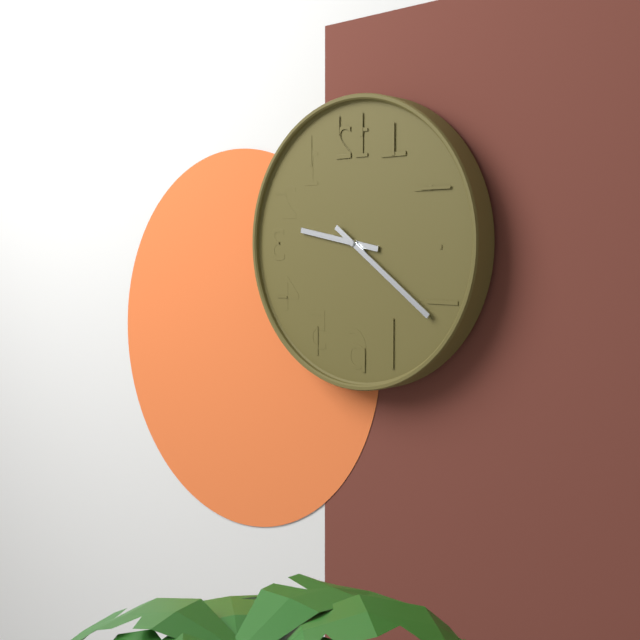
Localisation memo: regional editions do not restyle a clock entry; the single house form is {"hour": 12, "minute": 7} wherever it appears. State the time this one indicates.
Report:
{"hour": 9, "minute": 21}
